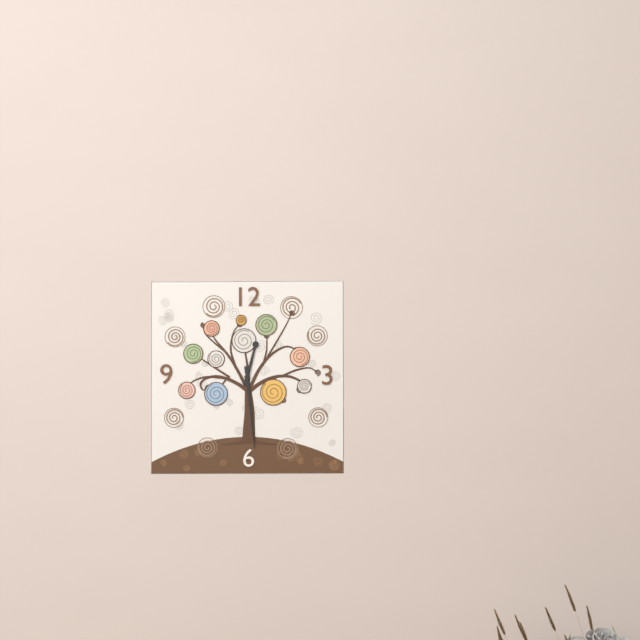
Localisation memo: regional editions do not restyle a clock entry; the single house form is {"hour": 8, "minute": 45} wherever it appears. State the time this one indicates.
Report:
{"hour": 12, "minute": 29}
